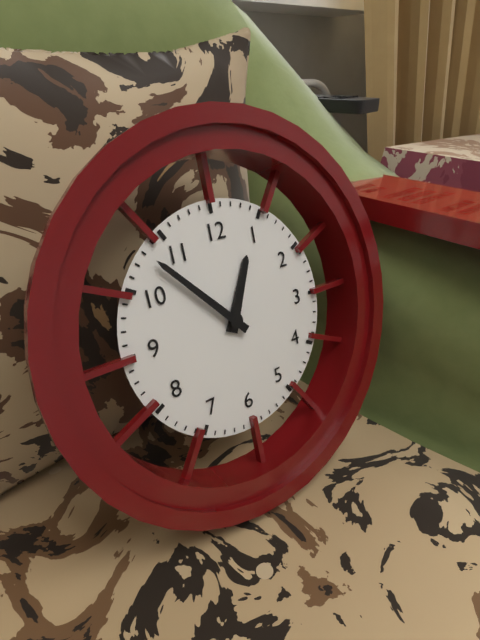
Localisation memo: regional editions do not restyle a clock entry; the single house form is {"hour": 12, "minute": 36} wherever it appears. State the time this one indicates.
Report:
{"hour": 12, "minute": 53}
